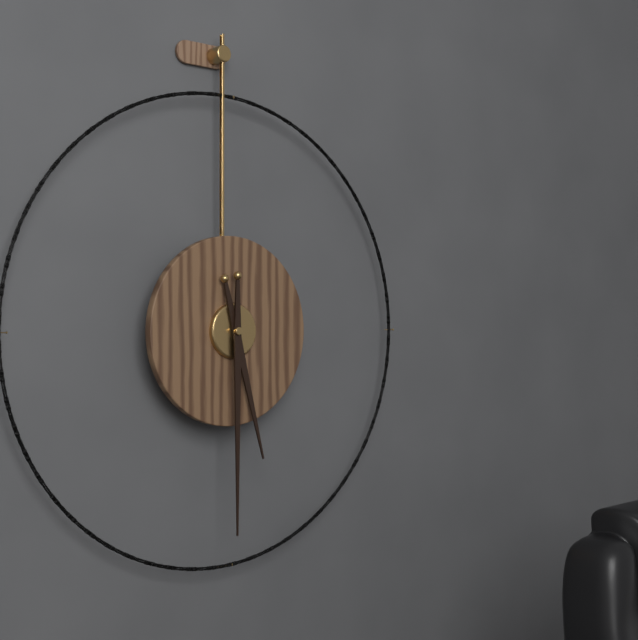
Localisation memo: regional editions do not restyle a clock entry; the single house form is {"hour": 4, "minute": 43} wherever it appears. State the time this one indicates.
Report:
{"hour": 5, "minute": 30}
